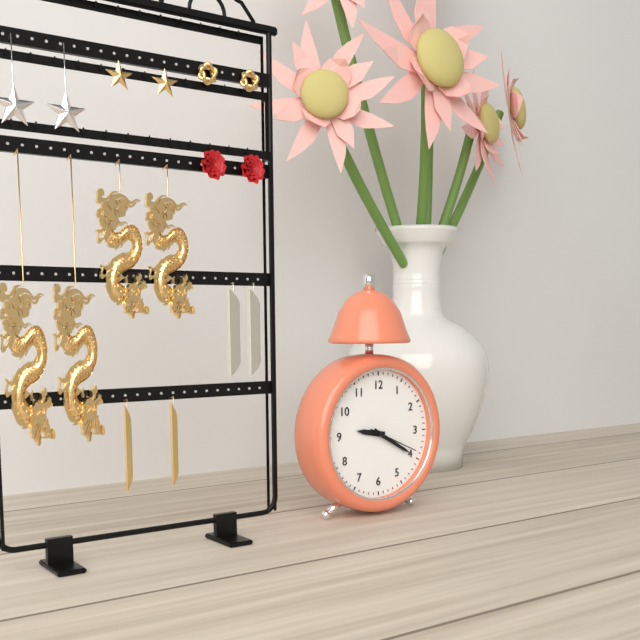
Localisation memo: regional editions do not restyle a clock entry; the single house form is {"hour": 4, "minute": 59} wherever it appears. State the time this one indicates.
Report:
{"hour": 9, "minute": 20}
